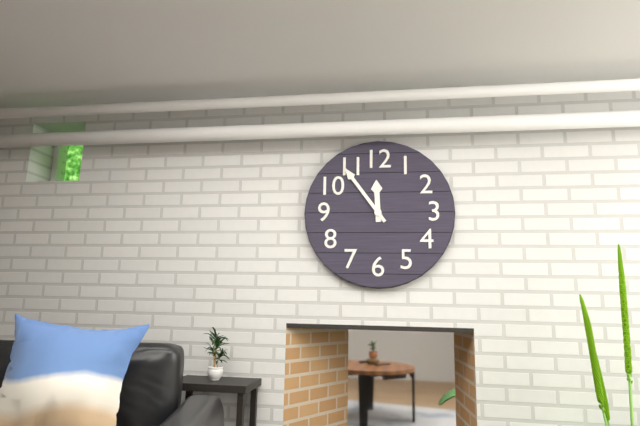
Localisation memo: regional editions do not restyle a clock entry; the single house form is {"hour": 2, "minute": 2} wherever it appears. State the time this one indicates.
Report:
{"hour": 11, "minute": 54}
